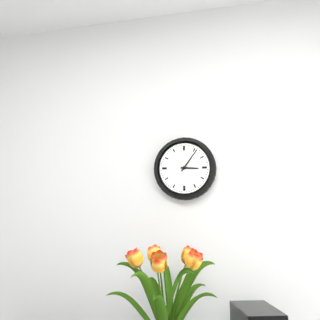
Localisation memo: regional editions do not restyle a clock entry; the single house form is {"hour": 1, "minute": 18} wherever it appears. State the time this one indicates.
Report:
{"hour": 3, "minute": 6}
